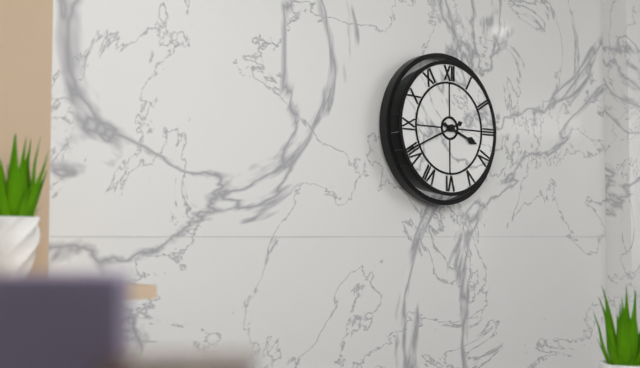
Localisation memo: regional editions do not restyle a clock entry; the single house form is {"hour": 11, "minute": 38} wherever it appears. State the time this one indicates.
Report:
{"hour": 3, "minute": 41}
